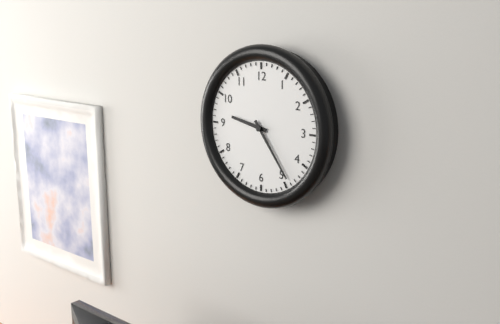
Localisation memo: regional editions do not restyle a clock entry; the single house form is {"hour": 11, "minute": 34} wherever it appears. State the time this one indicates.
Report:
{"hour": 9, "minute": 24}
